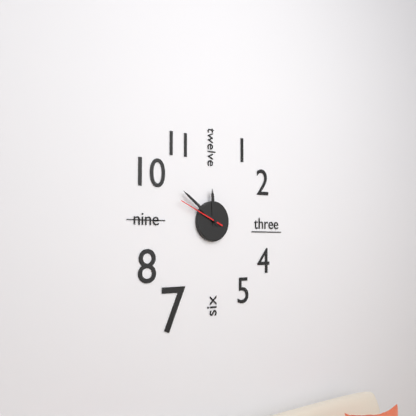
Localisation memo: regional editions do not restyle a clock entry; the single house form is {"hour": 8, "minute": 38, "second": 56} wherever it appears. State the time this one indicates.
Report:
{"hour": 11, "minute": 51, "second": 49}
